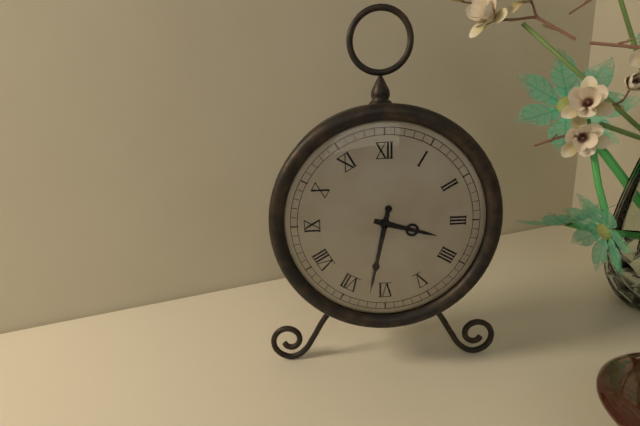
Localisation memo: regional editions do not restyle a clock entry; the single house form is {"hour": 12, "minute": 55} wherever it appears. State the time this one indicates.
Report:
{"hour": 3, "minute": 32}
